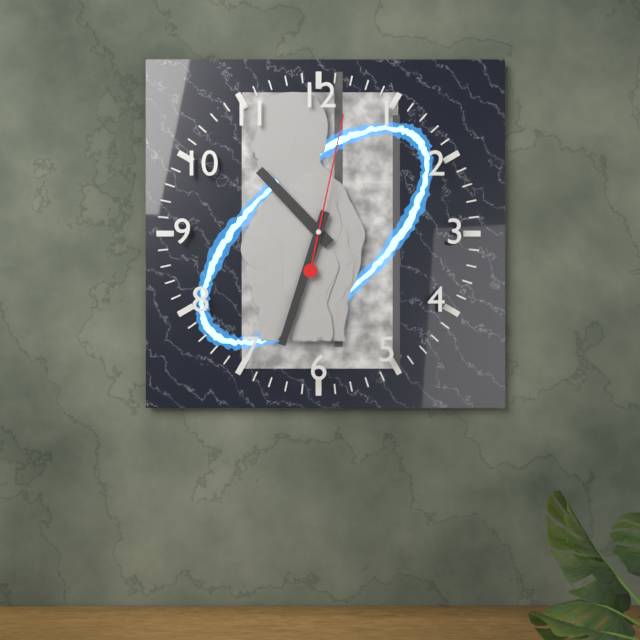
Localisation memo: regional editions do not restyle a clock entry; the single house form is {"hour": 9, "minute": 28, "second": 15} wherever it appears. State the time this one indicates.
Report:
{"hour": 10, "minute": 33, "second": 2}
